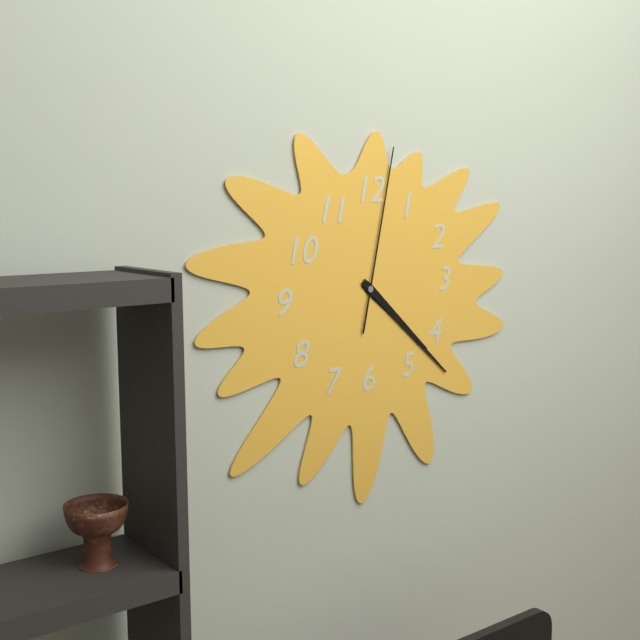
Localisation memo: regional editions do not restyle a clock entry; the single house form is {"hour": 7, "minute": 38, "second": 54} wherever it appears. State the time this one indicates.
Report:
{"hour": 4, "minute": 22, "second": 2}
